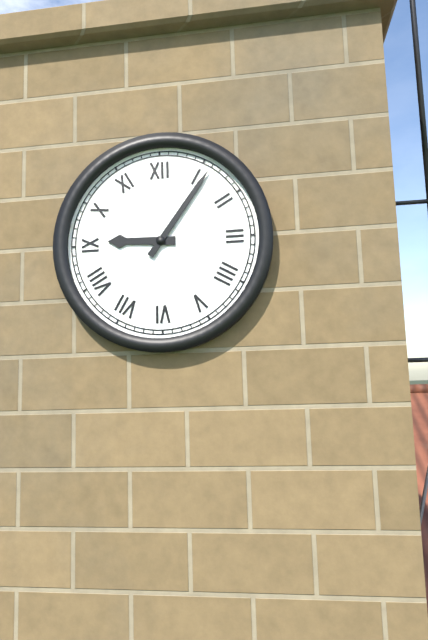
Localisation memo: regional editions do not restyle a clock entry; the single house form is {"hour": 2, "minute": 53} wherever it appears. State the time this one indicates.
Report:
{"hour": 9, "minute": 6}
